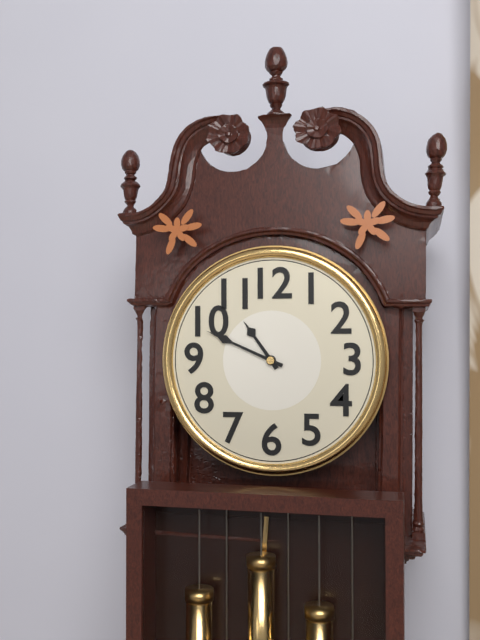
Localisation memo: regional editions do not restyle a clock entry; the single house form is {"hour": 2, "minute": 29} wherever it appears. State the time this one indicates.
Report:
{"hour": 10, "minute": 49}
